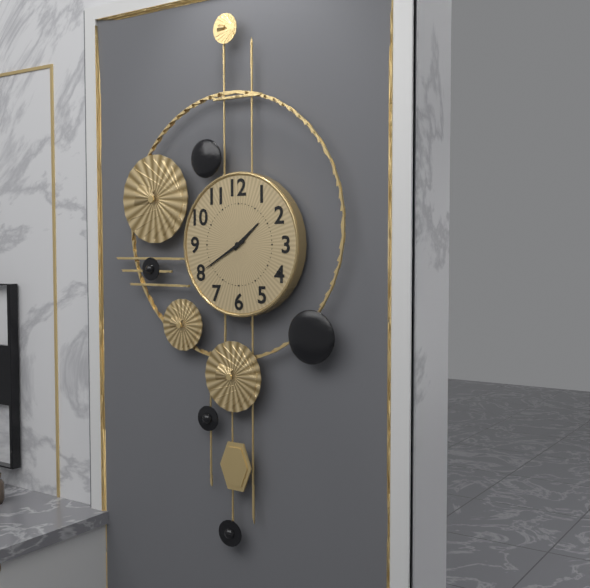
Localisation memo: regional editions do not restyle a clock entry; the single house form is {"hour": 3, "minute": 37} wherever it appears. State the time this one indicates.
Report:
{"hour": 1, "minute": 40}
